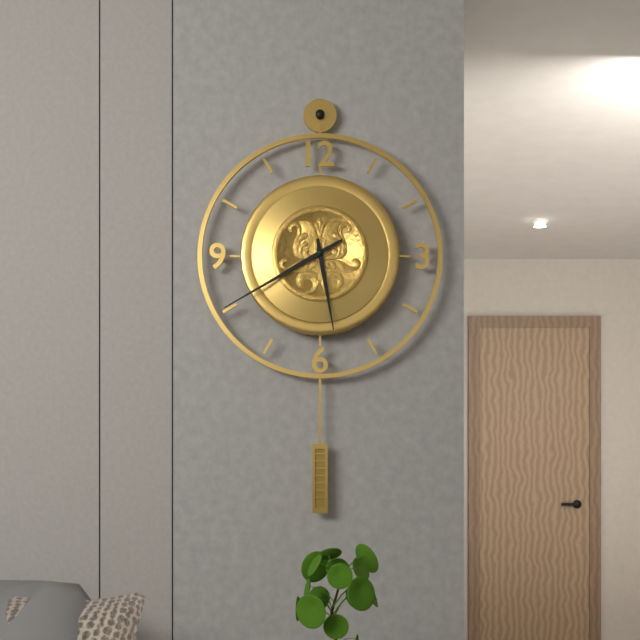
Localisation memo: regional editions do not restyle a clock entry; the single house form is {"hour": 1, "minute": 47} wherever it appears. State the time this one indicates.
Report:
{"hour": 5, "minute": 40}
